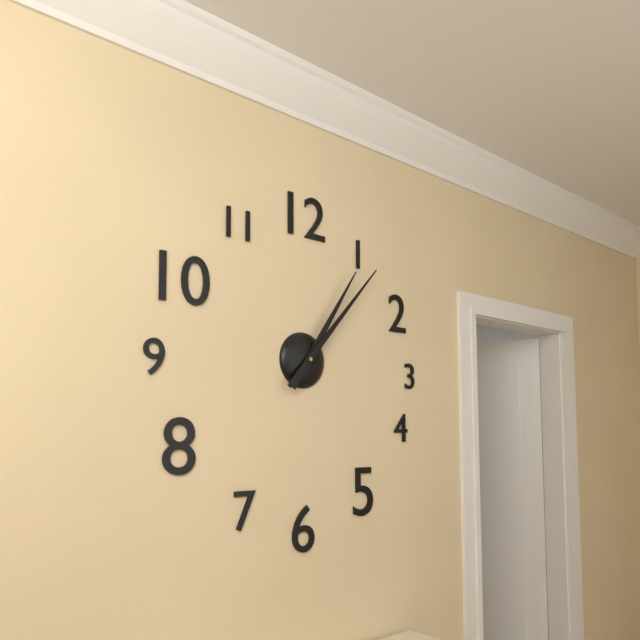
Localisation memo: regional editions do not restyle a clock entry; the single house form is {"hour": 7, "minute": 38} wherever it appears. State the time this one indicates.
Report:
{"hour": 1, "minute": 7}
